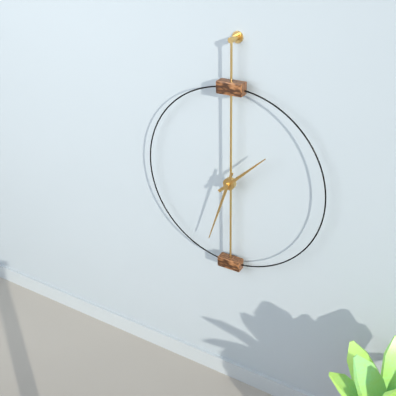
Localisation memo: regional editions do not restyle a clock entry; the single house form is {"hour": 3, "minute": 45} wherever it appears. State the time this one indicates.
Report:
{"hour": 1, "minute": 33}
